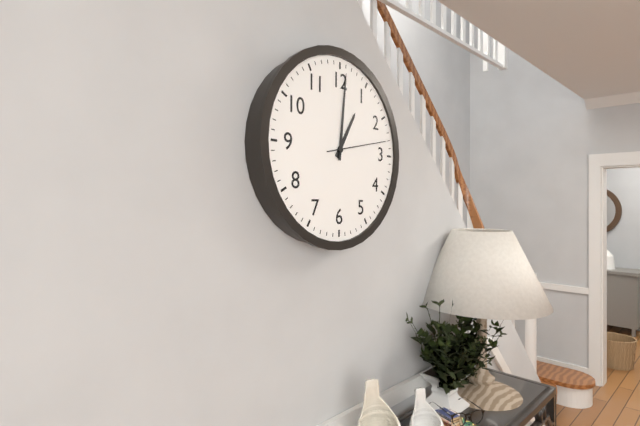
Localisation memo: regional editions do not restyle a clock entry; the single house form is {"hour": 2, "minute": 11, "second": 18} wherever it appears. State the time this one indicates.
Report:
{"hour": 1, "minute": 1, "second": 13}
